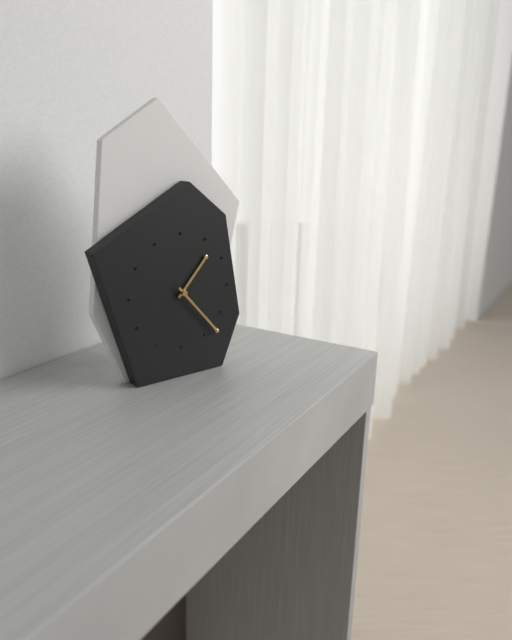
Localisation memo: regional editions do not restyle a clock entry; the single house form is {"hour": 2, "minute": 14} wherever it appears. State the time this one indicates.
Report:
{"hour": 1, "minute": 23}
